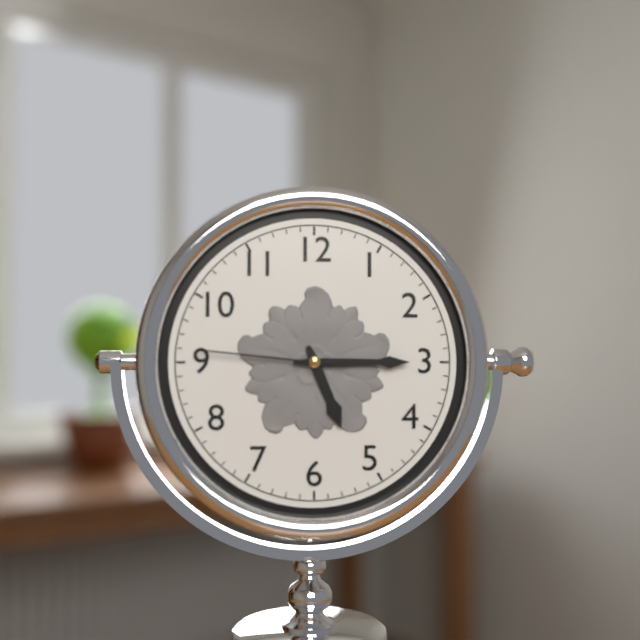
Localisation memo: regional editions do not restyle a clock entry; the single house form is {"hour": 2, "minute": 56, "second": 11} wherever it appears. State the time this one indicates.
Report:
{"hour": 5, "minute": 15, "second": 46}
